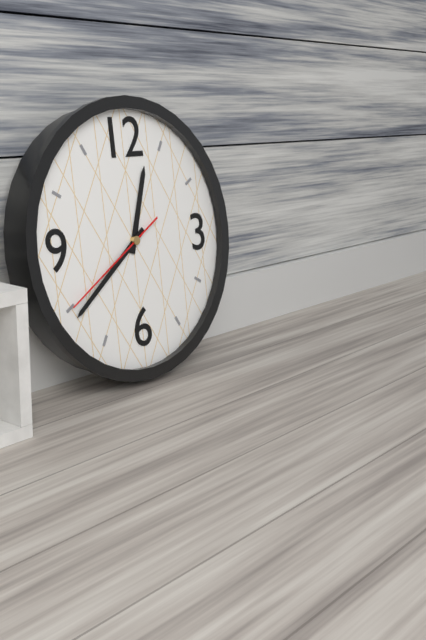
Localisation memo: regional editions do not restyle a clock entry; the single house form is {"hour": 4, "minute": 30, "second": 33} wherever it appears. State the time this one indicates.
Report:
{"hour": 12, "minute": 39, "second": 40}
